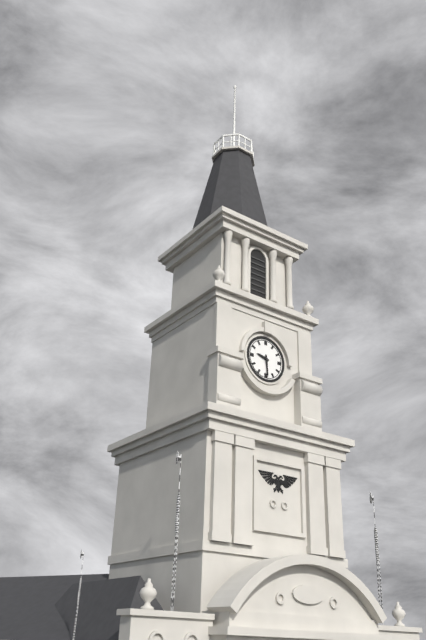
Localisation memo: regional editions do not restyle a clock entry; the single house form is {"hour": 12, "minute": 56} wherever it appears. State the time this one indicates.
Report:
{"hour": 9, "minute": 29}
